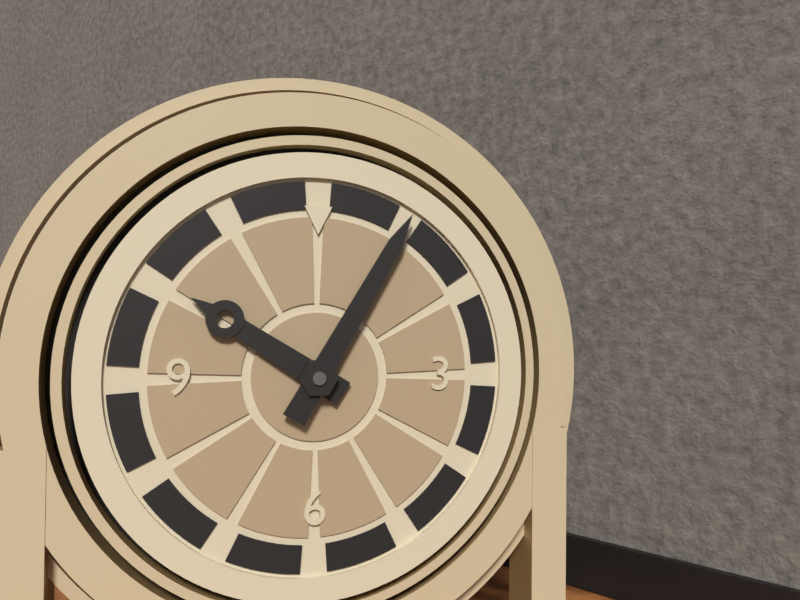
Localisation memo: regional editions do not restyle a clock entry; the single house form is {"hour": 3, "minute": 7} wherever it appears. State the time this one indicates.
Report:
{"hour": 10, "minute": 5}
